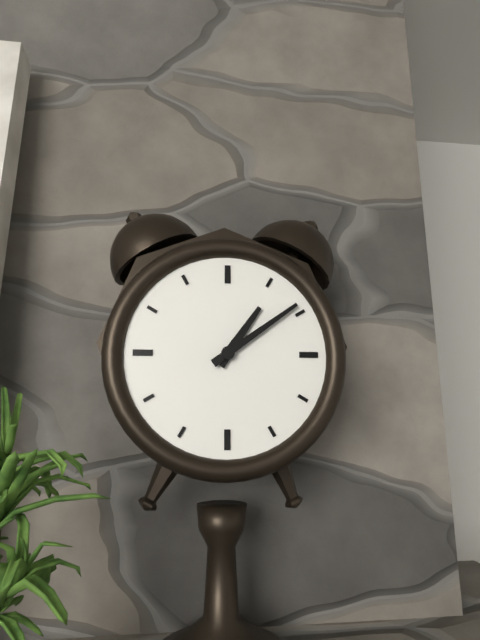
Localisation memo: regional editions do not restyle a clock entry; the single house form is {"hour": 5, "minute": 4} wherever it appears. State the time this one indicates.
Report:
{"hour": 1, "minute": 9}
